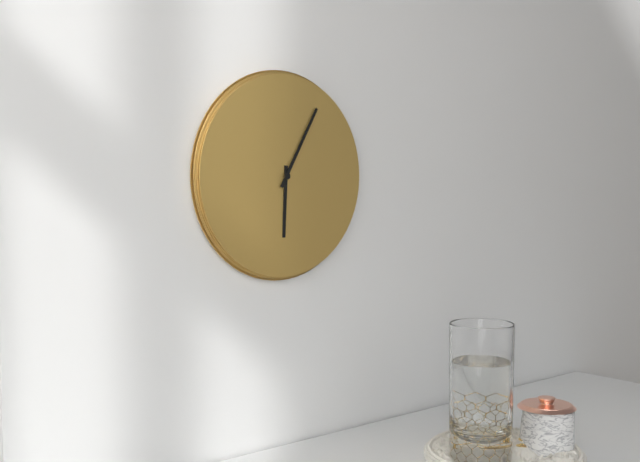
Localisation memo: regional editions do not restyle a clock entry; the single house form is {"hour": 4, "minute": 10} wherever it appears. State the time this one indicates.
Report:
{"hour": 6, "minute": 5}
